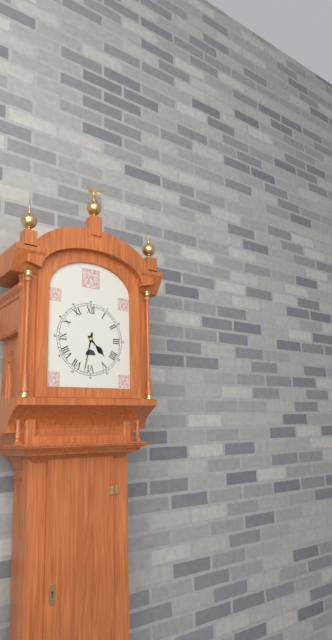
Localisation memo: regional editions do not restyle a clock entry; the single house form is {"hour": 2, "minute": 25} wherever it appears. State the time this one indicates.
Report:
{"hour": 4, "minute": 32}
